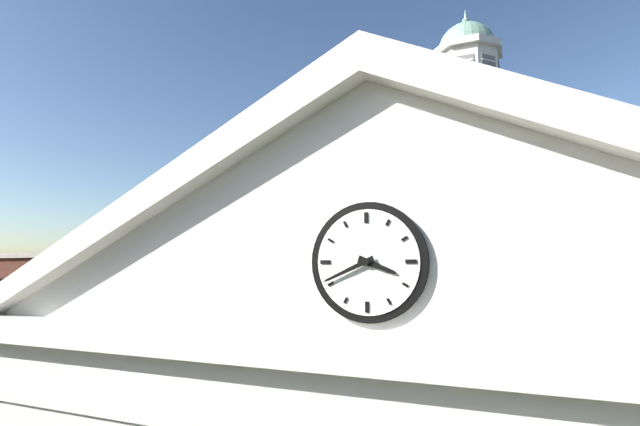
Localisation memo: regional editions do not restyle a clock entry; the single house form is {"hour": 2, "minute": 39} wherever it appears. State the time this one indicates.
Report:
{"hour": 3, "minute": 41}
